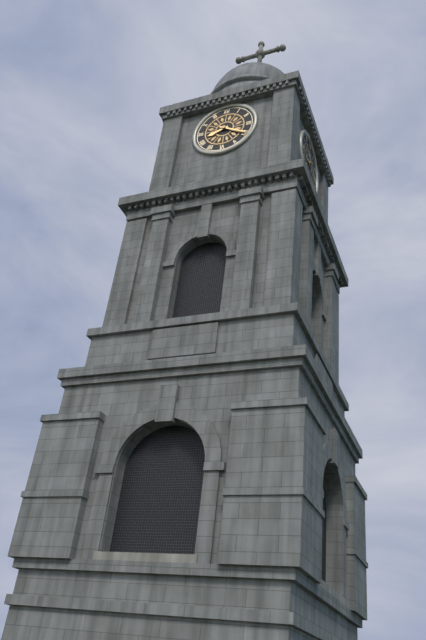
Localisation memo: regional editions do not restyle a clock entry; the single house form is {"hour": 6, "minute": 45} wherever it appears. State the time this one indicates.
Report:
{"hour": 8, "minute": 20}
